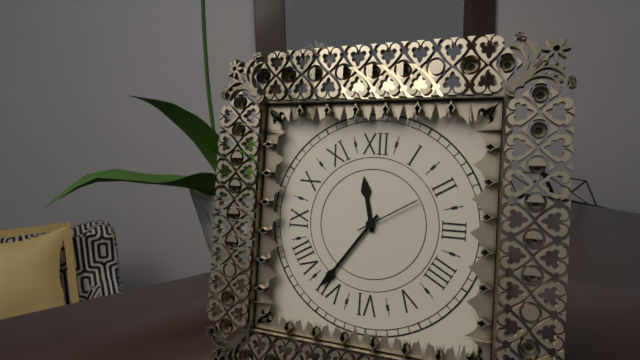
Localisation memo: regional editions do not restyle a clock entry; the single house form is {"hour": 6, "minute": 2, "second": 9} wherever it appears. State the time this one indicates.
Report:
{"hour": 11, "minute": 36, "second": 10}
